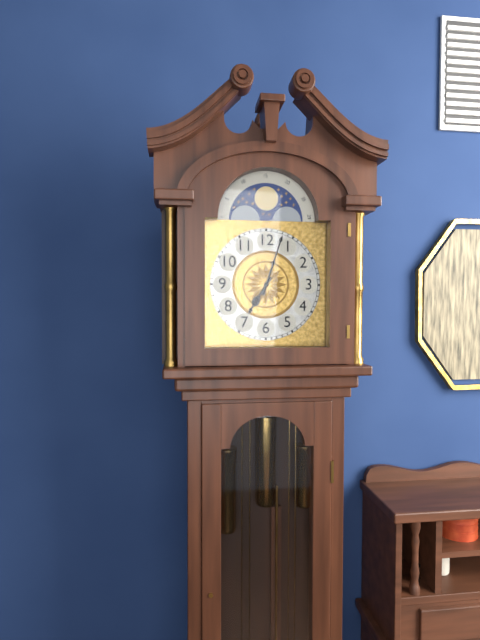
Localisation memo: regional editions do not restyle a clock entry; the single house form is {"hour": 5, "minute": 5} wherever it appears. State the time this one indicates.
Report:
{"hour": 7, "minute": 3}
